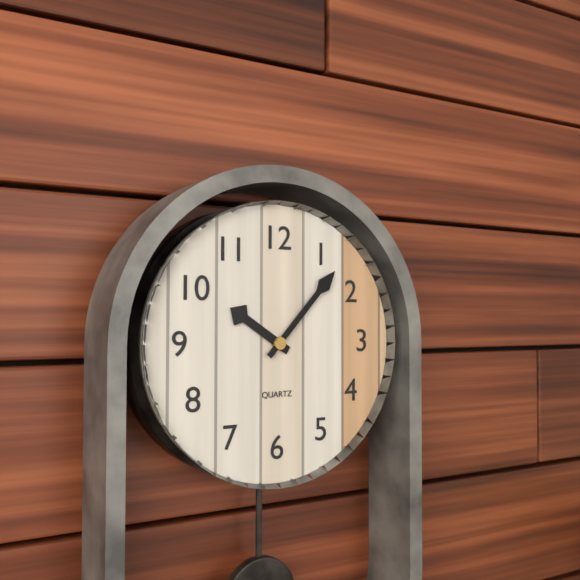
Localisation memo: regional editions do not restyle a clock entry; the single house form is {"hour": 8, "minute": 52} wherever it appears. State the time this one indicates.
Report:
{"hour": 10, "minute": 7}
